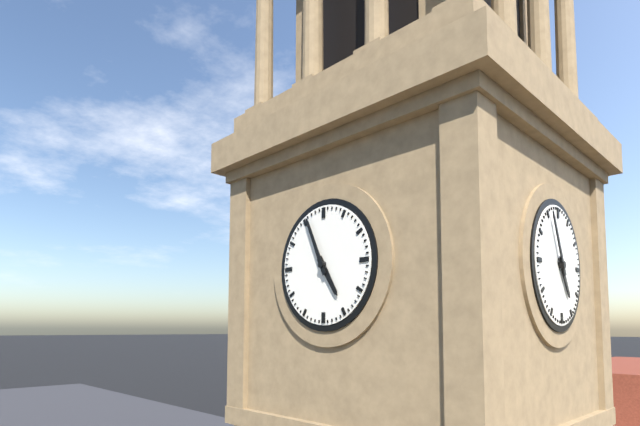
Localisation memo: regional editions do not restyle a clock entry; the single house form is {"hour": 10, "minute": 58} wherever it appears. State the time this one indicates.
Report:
{"hour": 4, "minute": 56}
